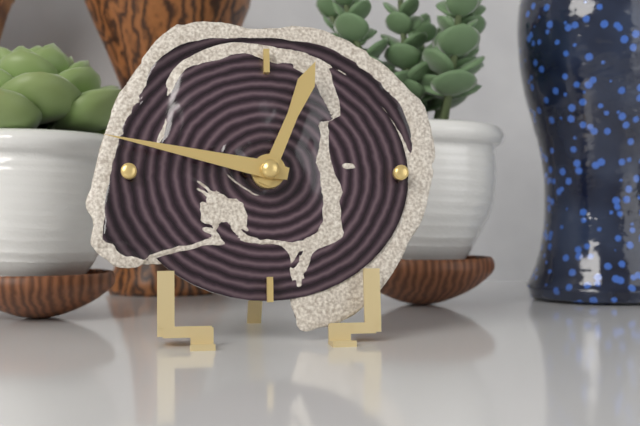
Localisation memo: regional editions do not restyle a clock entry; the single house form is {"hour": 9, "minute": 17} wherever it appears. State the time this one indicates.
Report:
{"hour": 12, "minute": 47}
